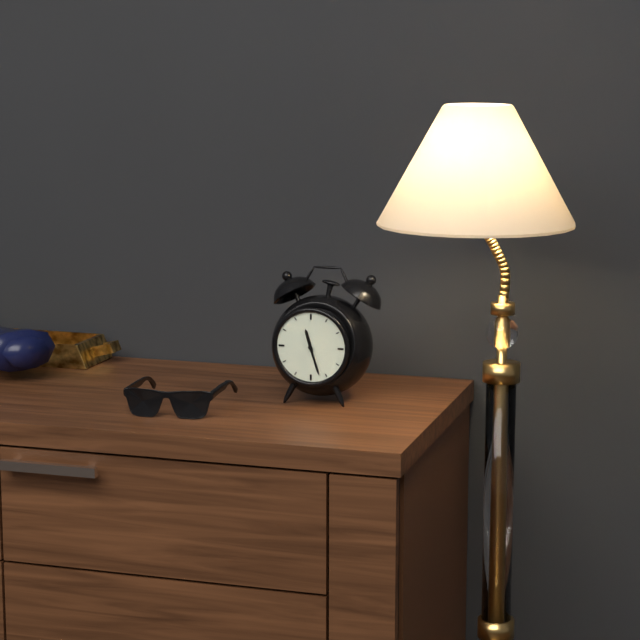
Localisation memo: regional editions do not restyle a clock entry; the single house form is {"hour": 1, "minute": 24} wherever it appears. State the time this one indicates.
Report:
{"hour": 11, "minute": 27}
